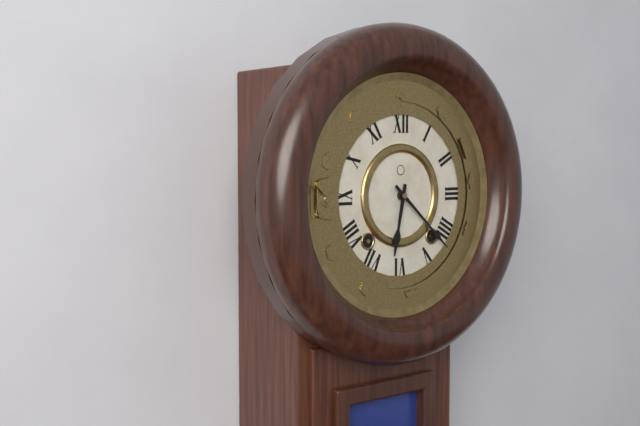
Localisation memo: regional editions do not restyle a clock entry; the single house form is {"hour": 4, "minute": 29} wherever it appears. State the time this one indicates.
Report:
{"hour": 6, "minute": 22}
